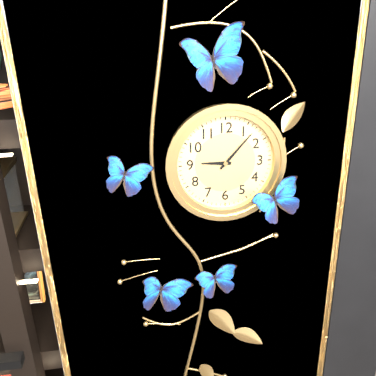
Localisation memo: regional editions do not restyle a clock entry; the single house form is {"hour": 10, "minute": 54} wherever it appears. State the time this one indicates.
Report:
{"hour": 9, "minute": 7}
